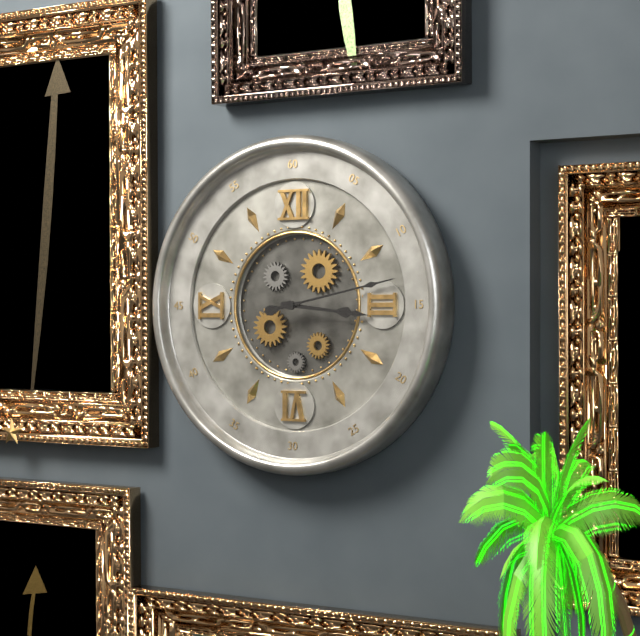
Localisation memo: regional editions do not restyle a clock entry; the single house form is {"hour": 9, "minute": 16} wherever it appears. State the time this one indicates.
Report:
{"hour": 3, "minute": 13}
